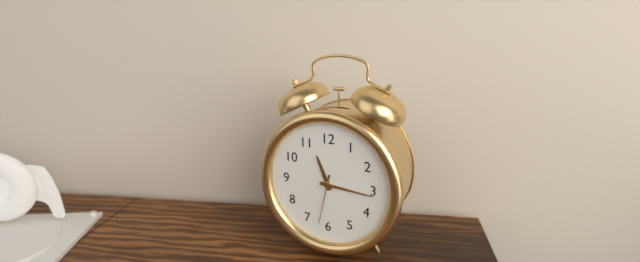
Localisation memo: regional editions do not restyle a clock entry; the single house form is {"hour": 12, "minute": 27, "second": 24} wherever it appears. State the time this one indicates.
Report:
{"hour": 11, "minute": 16, "second": 32}
